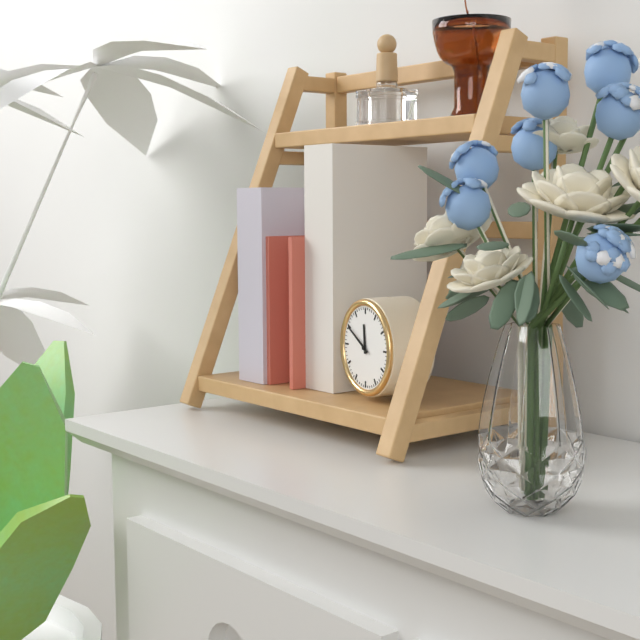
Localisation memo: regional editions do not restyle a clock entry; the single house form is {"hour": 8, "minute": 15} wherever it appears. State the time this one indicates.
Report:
{"hour": 11, "minute": 50}
